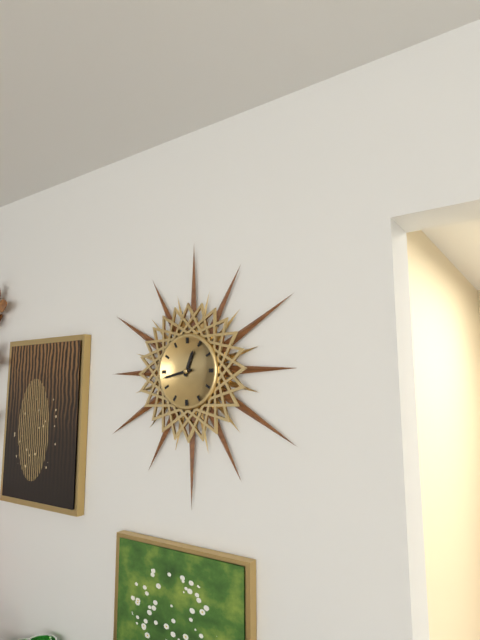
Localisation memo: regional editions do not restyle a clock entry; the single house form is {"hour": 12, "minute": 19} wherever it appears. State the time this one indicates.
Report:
{"hour": 12, "minute": 43}
